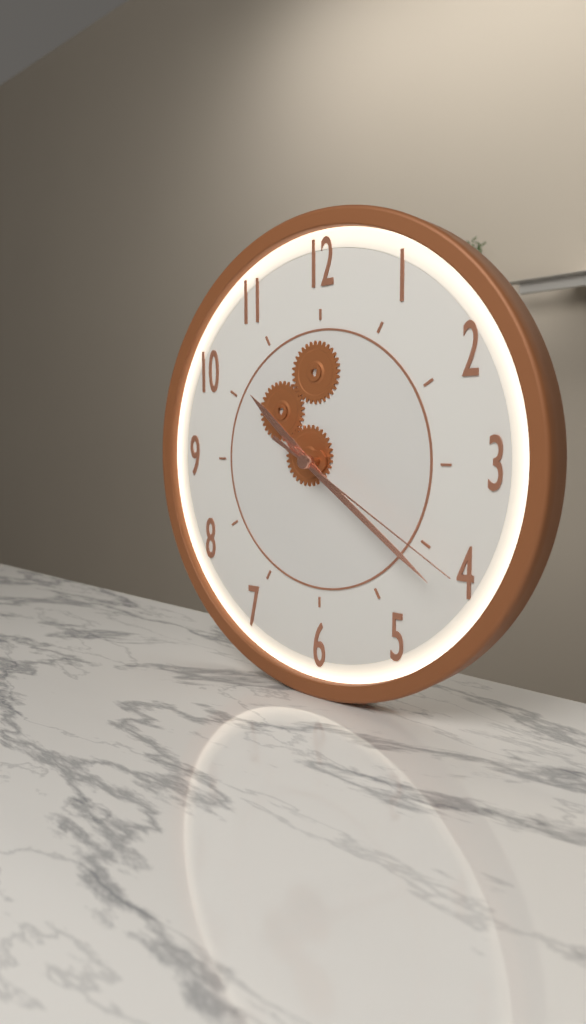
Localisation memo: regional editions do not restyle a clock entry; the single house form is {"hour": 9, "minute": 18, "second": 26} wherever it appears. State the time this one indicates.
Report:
{"hour": 10, "minute": 21, "second": 20}
